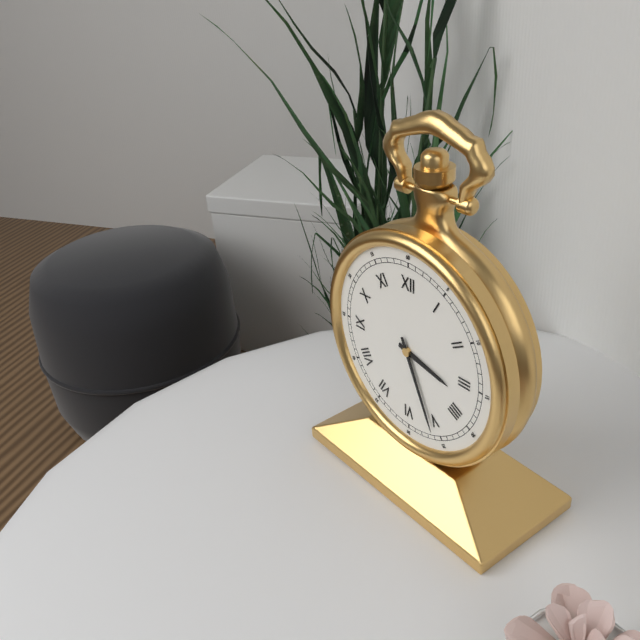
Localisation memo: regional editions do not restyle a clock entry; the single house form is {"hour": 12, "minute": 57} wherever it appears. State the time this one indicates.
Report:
{"hour": 3, "minute": 26}
